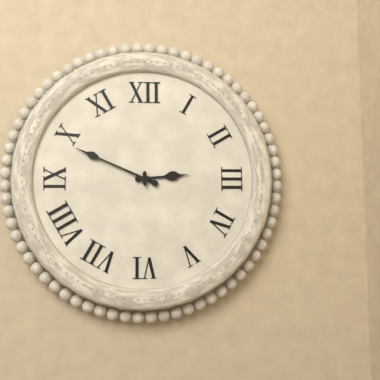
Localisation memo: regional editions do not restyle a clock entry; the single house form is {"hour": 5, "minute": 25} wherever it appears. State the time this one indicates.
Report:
{"hour": 2, "minute": 49}
